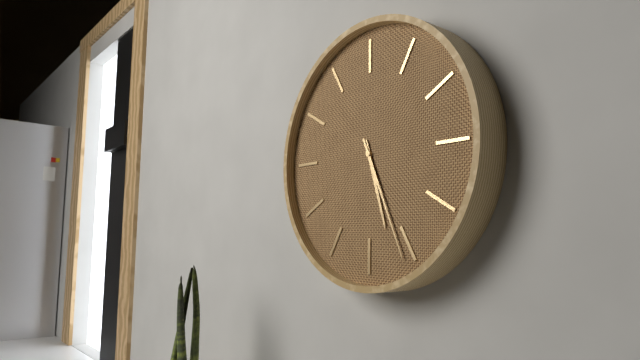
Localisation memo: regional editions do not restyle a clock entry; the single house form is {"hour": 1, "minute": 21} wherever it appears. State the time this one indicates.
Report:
{"hour": 5, "minute": 26}
